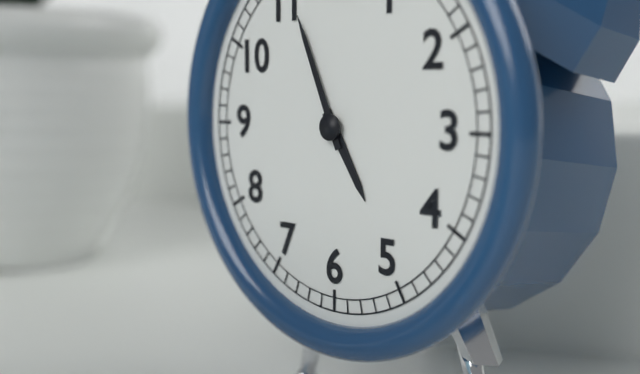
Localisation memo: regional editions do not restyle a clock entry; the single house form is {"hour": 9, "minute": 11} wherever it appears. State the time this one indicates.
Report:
{"hour": 4, "minute": 56}
